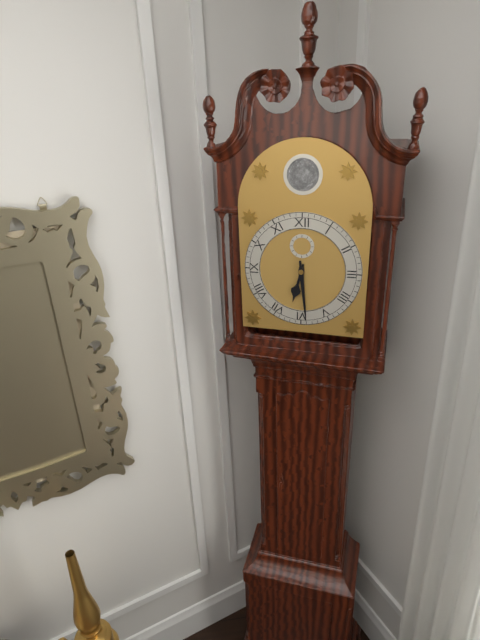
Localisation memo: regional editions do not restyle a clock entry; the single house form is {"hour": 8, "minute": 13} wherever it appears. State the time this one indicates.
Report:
{"hour": 6, "minute": 29}
